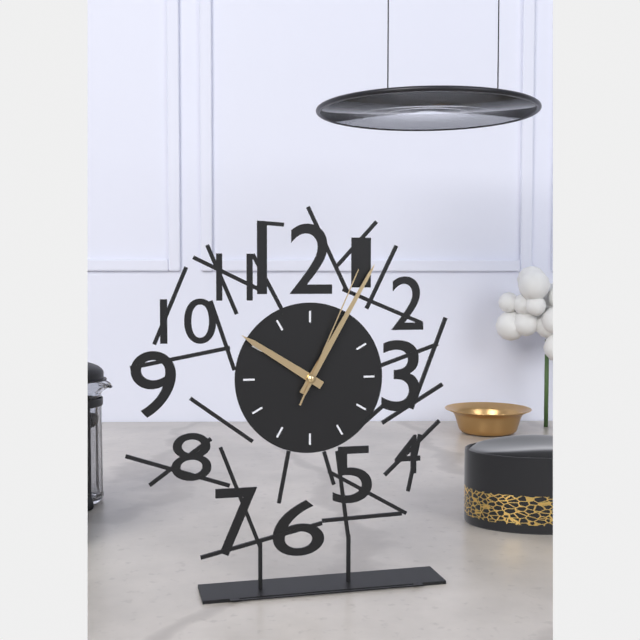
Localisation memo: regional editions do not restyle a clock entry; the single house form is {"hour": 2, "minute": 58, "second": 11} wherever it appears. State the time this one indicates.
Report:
{"hour": 10, "minute": 5, "second": 4}
